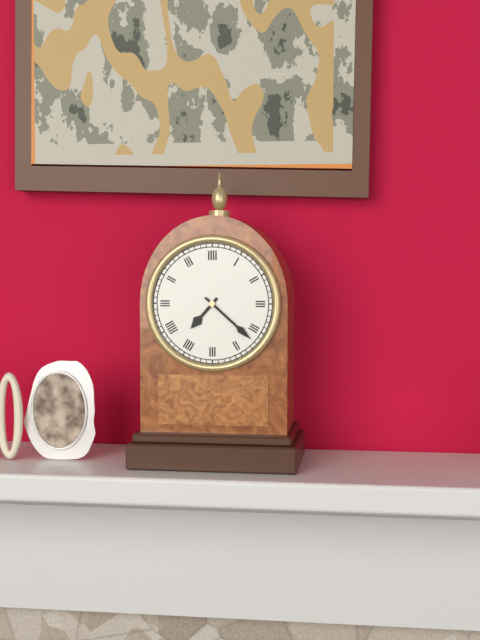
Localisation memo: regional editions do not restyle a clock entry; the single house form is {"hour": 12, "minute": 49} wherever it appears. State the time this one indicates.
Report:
{"hour": 7, "minute": 22}
